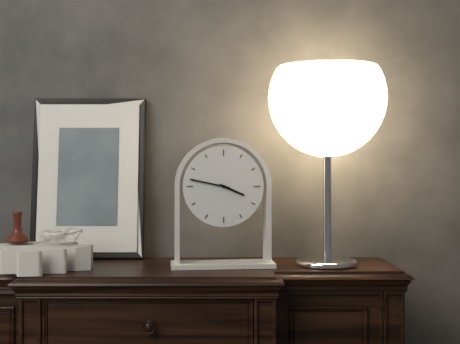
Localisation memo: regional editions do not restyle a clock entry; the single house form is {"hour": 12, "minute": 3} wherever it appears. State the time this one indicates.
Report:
{"hour": 3, "minute": 47}
